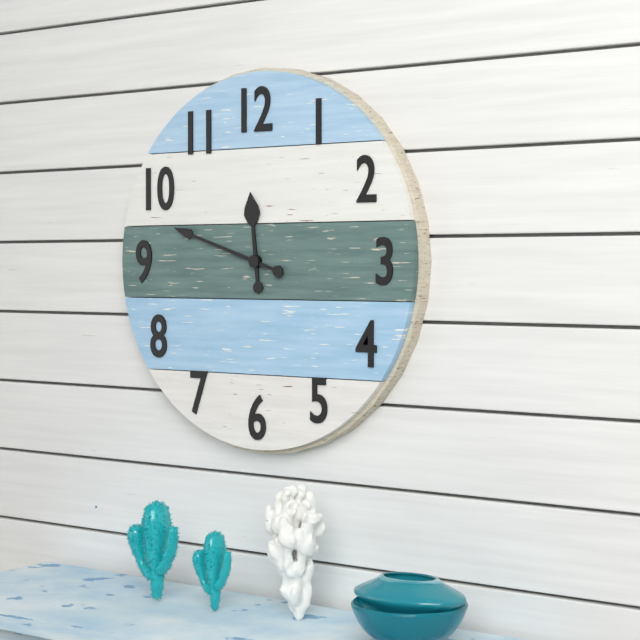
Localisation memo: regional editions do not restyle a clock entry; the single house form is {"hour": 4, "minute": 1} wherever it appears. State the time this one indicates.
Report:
{"hour": 11, "minute": 48}
